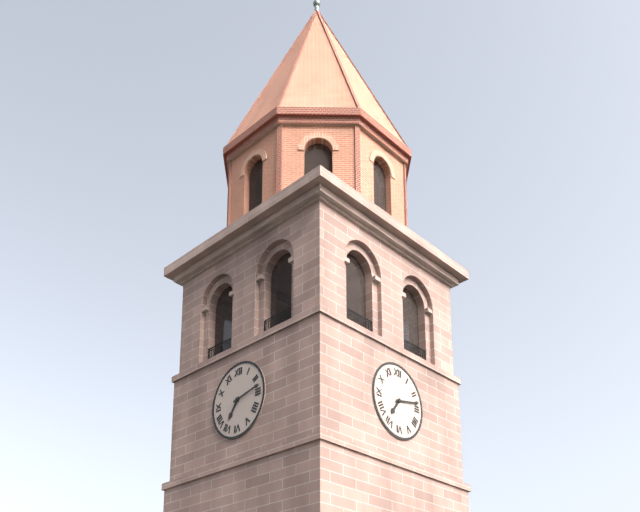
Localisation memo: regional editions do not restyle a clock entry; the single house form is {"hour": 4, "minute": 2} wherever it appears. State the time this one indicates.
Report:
{"hour": 7, "minute": 13}
